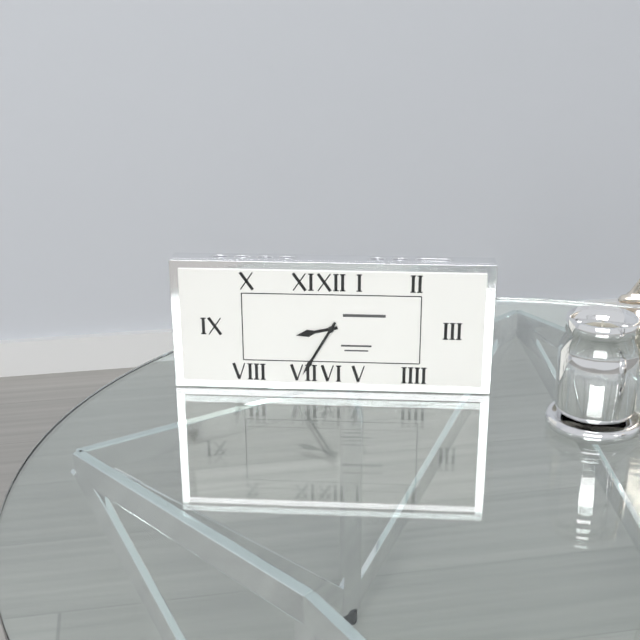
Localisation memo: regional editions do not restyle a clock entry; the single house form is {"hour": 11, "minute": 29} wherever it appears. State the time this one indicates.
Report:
{"hour": 8, "minute": 35}
